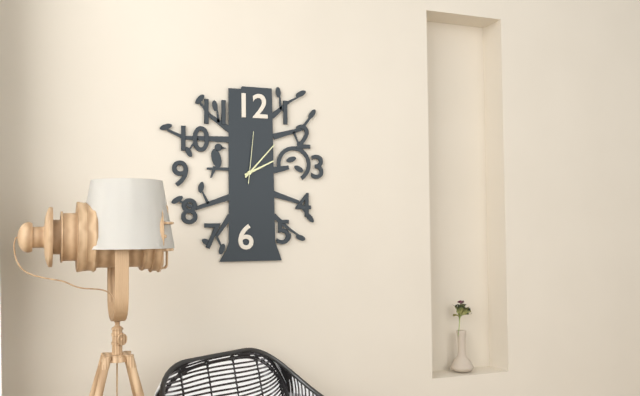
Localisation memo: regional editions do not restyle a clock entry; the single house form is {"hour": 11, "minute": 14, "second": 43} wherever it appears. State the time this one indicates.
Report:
{"hour": 2, "minute": 7, "second": 1}
